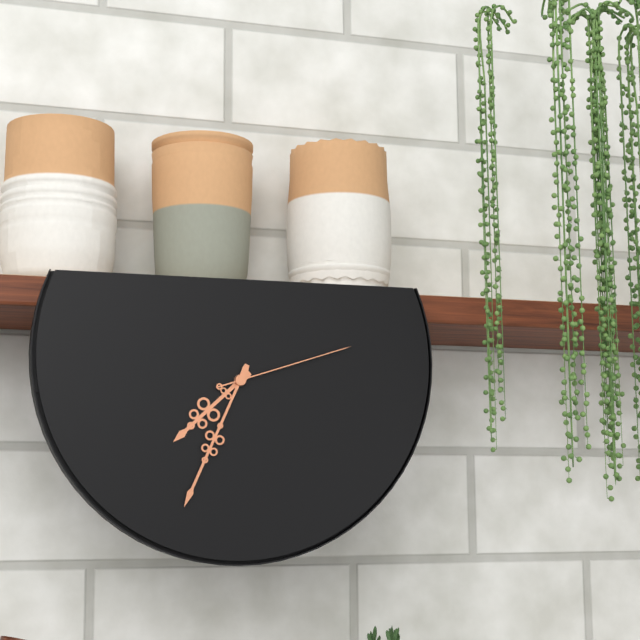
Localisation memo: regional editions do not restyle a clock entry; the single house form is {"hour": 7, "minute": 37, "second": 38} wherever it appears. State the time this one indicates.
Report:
{"hour": 7, "minute": 34, "second": 12}
